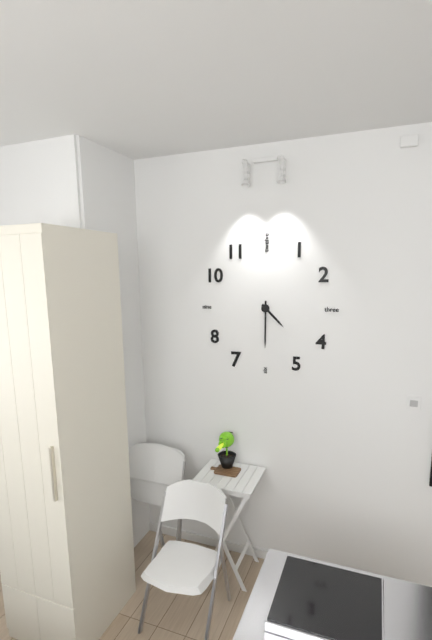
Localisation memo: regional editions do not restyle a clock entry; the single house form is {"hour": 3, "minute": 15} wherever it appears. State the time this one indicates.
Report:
{"hour": 4, "minute": 30}
